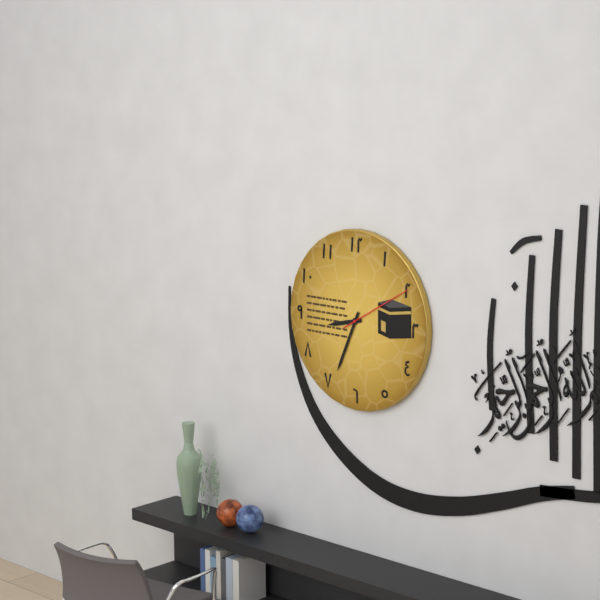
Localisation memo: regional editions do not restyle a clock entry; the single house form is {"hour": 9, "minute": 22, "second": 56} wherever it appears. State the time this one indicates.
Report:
{"hour": 8, "minute": 34, "second": 10}
